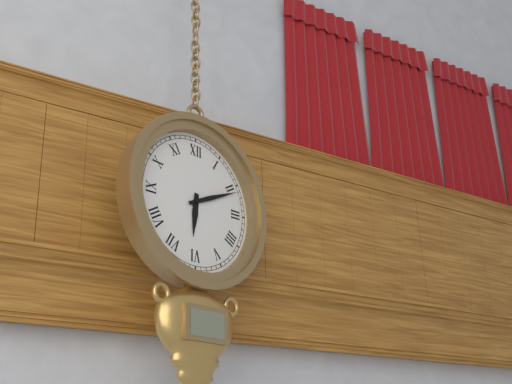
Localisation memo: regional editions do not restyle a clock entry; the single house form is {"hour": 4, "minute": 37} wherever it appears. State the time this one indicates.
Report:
{"hour": 6, "minute": 11}
